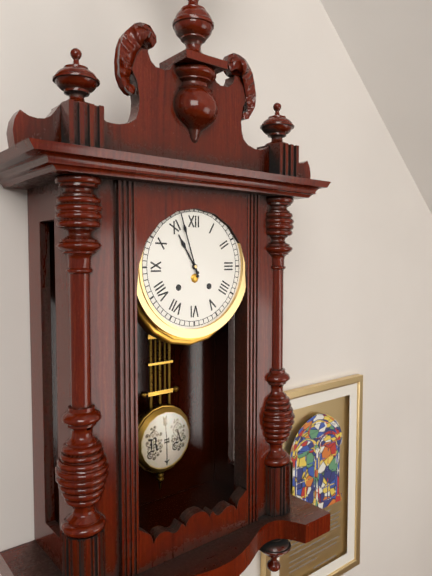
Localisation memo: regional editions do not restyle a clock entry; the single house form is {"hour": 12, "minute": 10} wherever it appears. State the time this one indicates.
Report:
{"hour": 10, "minute": 57}
